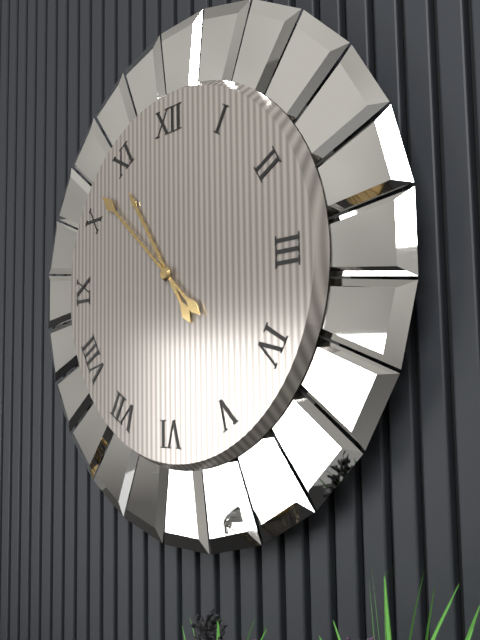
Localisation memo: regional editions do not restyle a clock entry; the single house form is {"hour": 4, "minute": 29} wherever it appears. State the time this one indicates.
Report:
{"hour": 10, "minute": 52}
